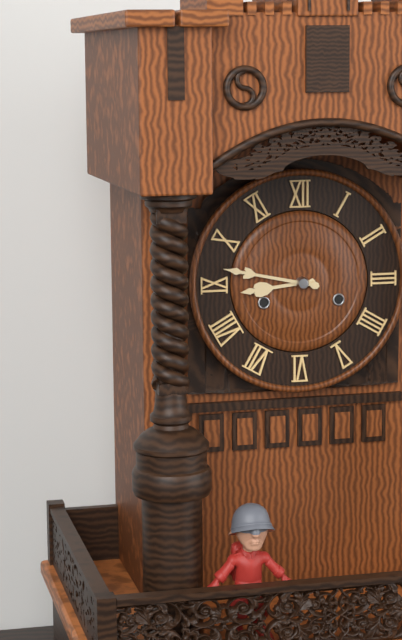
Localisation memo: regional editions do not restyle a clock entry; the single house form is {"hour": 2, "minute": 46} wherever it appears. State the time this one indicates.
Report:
{"hour": 8, "minute": 47}
